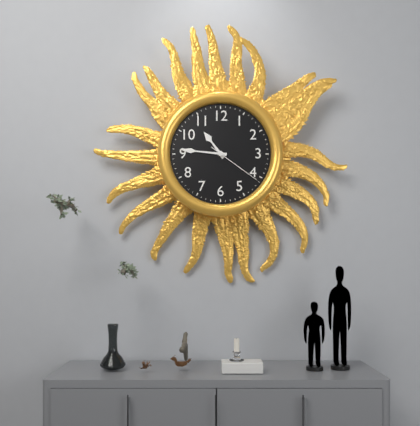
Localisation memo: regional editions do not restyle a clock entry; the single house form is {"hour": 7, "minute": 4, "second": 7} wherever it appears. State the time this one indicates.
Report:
{"hour": 10, "minute": 46, "second": 21}
